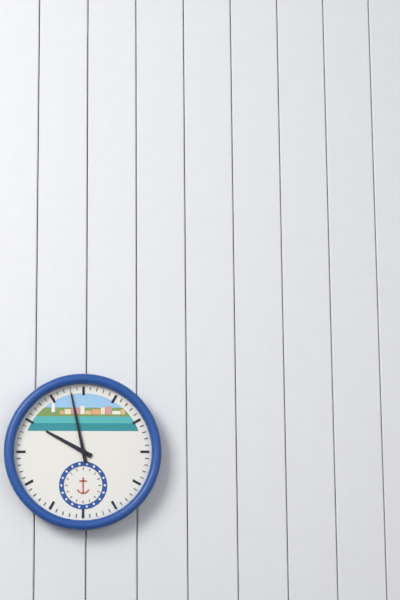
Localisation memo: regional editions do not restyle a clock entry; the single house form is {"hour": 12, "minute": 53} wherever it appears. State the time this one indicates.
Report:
{"hour": 9, "minute": 58}
